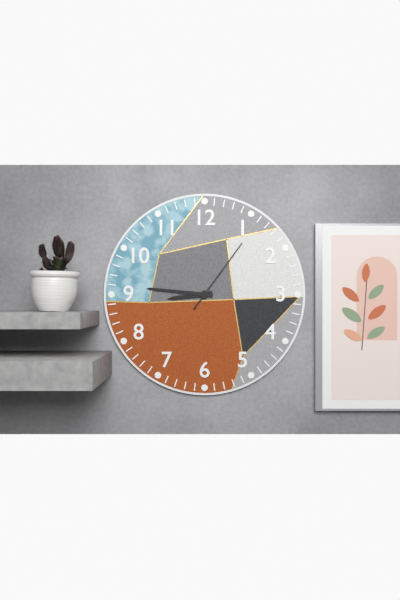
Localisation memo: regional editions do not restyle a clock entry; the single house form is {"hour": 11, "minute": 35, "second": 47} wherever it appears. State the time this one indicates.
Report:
{"hour": 8, "minute": 46, "second": 6}
